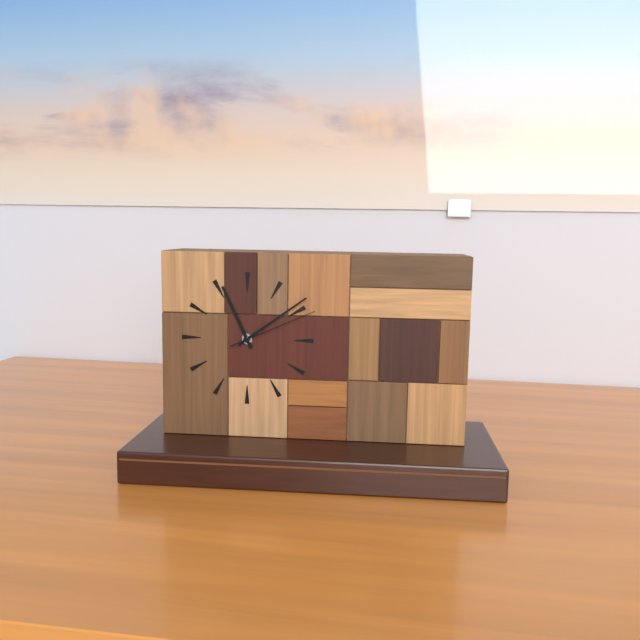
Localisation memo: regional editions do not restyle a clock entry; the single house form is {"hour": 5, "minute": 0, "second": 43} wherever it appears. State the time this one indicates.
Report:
{"hour": 11, "minute": 9, "second": 11}
